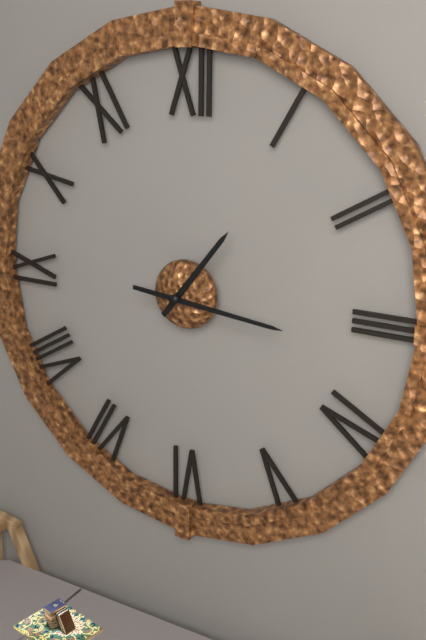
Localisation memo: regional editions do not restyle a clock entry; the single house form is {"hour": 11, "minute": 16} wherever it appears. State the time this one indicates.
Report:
{"hour": 1, "minute": 16}
